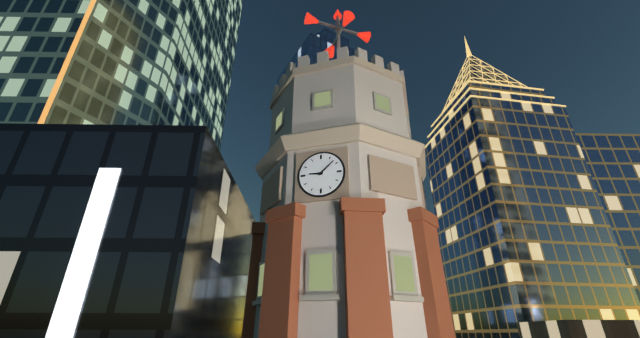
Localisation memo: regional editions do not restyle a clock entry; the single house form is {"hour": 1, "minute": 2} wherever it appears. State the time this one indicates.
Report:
{"hour": 9, "minute": 8}
